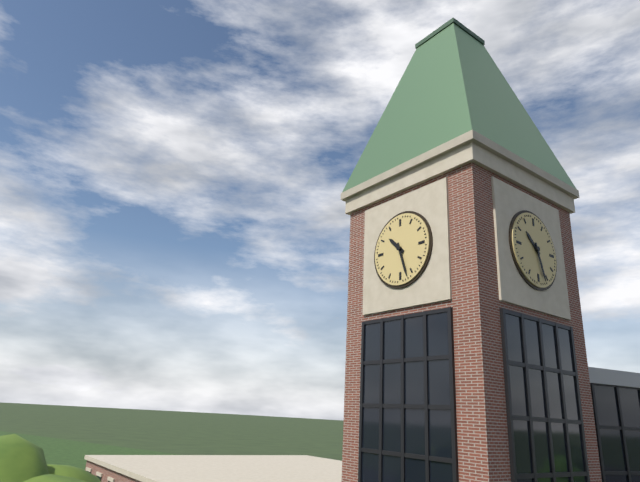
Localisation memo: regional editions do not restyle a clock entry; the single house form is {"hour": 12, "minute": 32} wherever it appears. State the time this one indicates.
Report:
{"hour": 10, "minute": 27}
